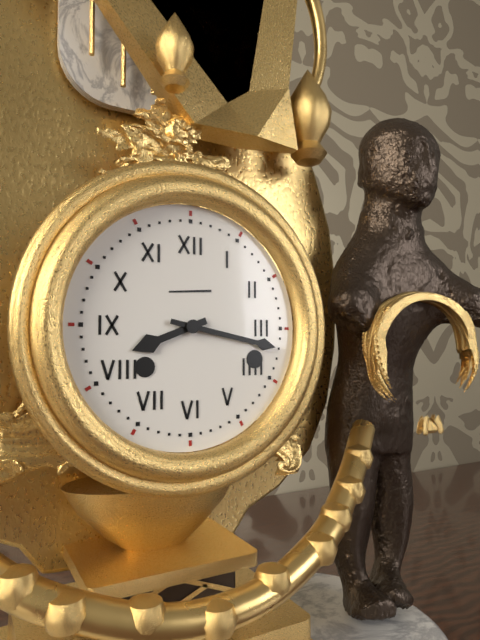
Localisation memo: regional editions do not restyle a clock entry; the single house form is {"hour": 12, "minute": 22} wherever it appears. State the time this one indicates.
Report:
{"hour": 8, "minute": 17}
